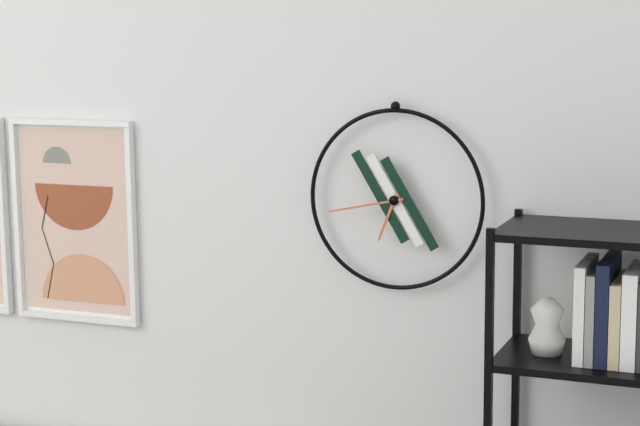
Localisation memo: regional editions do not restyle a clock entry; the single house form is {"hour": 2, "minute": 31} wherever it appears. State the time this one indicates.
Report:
{"hour": 6, "minute": 43}
